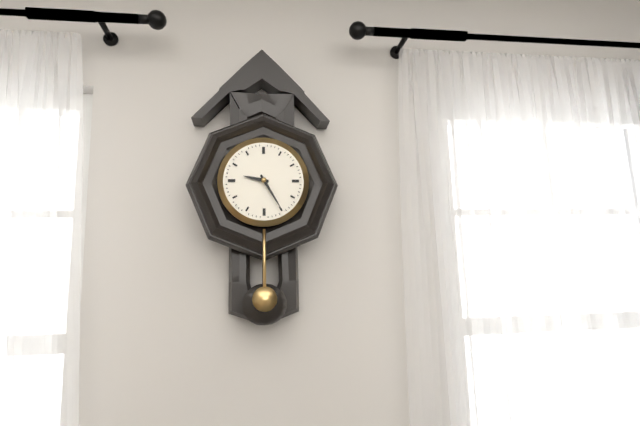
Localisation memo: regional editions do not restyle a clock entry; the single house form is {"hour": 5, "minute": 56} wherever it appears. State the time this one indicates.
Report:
{"hour": 9, "minute": 25}
